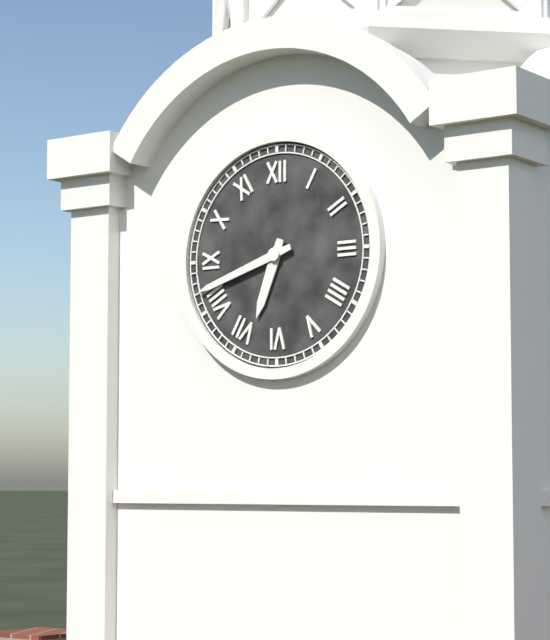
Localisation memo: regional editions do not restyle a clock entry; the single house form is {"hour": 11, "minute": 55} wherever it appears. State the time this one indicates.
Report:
{"hour": 6, "minute": 42}
